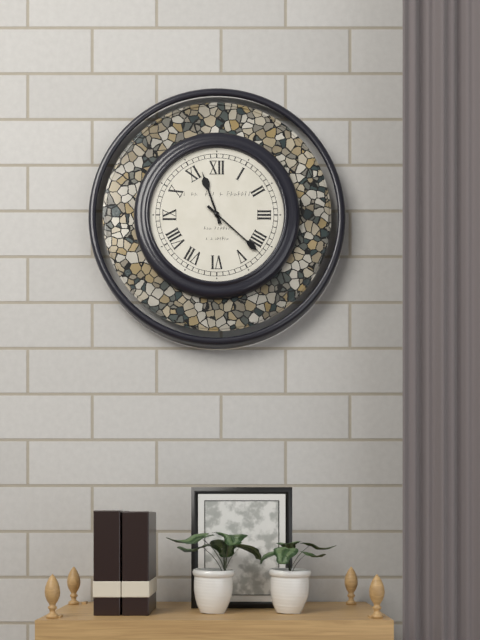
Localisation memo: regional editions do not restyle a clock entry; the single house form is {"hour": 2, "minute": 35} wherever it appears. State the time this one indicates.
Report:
{"hour": 11, "minute": 22}
